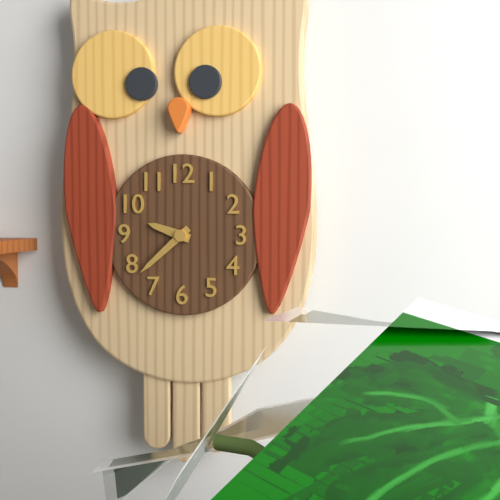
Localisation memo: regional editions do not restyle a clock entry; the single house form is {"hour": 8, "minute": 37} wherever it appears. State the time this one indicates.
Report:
{"hour": 9, "minute": 38}
